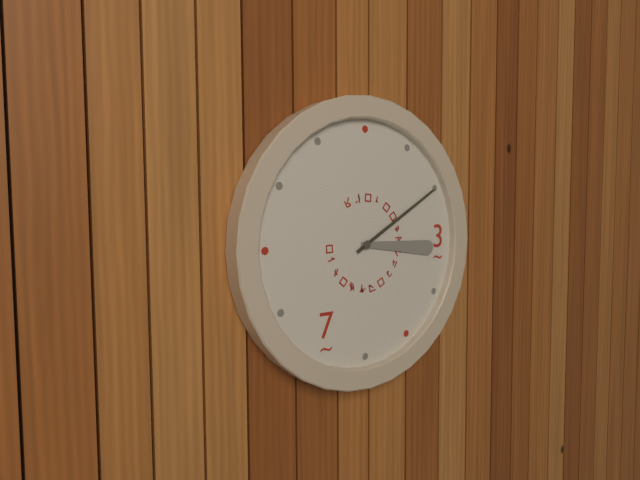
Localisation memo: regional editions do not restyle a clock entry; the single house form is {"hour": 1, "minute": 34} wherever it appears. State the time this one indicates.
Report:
{"hour": 3, "minute": 10}
